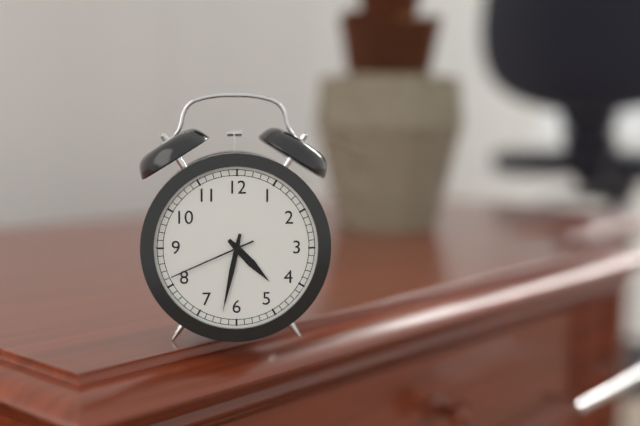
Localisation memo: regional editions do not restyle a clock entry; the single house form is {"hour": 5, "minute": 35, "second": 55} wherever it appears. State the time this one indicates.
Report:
{"hour": 4, "minute": 32, "second": 41}
